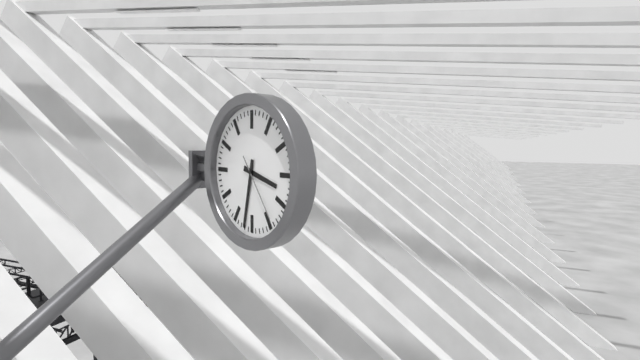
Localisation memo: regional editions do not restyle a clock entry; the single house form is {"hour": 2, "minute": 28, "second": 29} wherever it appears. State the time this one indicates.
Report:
{"hour": 3, "minute": 32, "second": 24}
